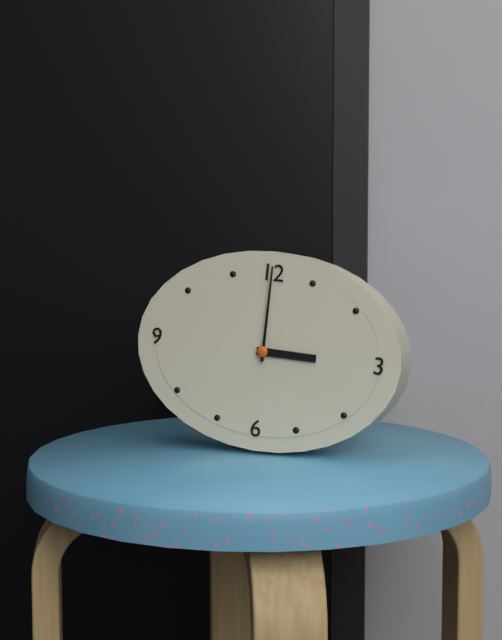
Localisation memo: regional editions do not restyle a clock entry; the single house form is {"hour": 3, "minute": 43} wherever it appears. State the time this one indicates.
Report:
{"hour": 3, "minute": 0}
